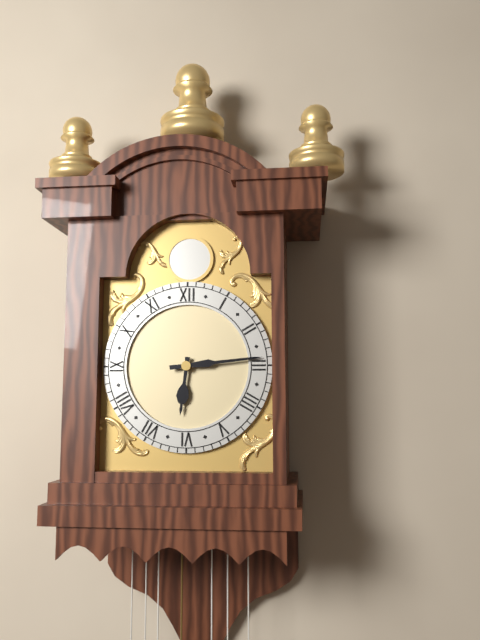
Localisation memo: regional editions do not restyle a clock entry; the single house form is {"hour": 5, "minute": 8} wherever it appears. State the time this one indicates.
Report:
{"hour": 6, "minute": 14}
